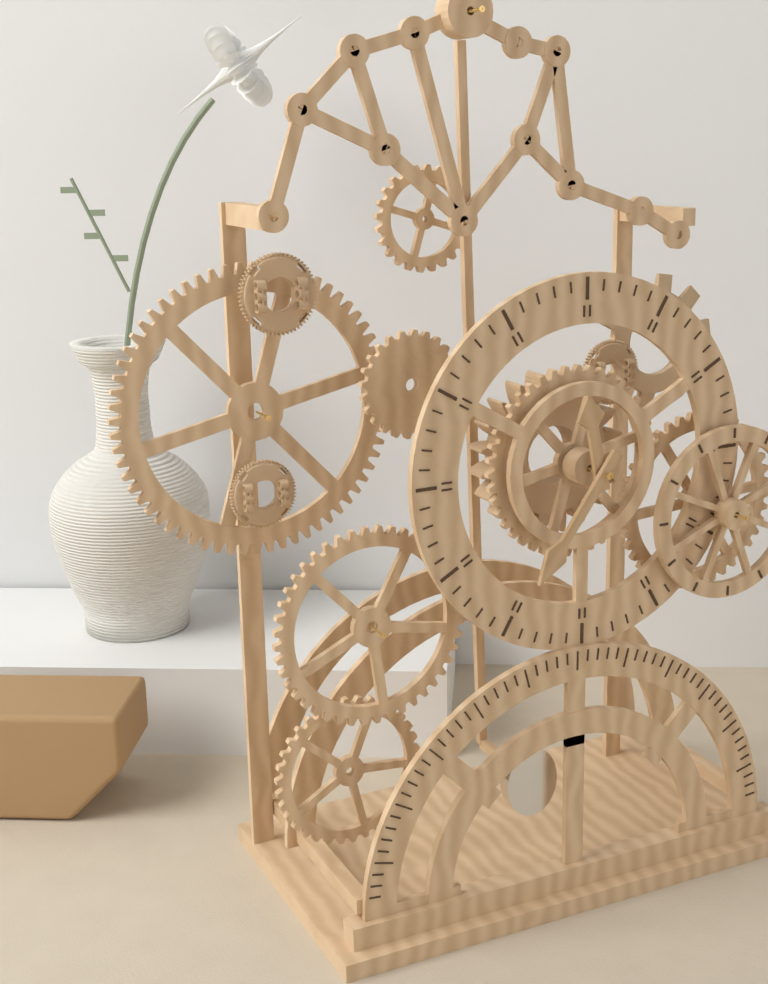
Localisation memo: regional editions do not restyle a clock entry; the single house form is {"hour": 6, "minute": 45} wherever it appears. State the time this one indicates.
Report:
{"hour": 11, "minute": 36}
